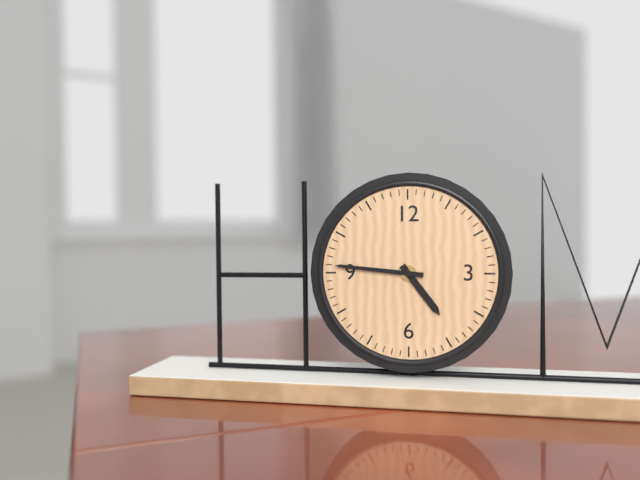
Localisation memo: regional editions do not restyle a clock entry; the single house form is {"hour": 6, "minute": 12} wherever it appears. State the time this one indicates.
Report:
{"hour": 4, "minute": 46}
